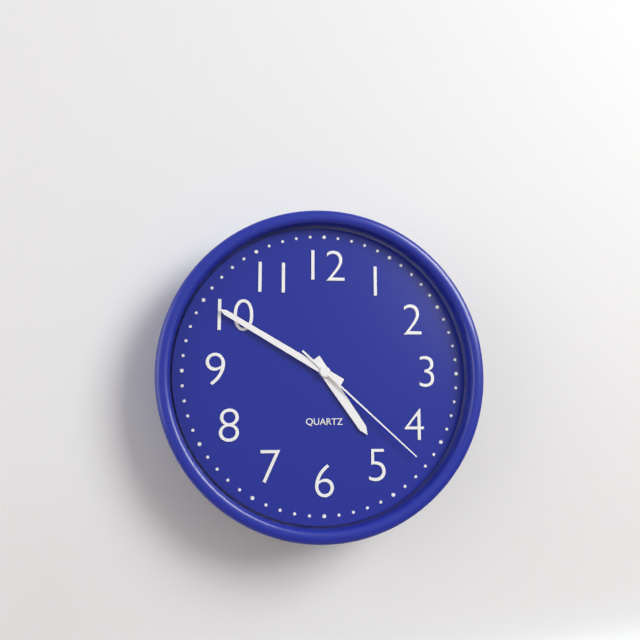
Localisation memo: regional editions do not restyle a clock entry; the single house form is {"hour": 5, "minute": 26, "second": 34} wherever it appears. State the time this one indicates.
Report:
{"hour": 4, "minute": 50, "second": 22}
